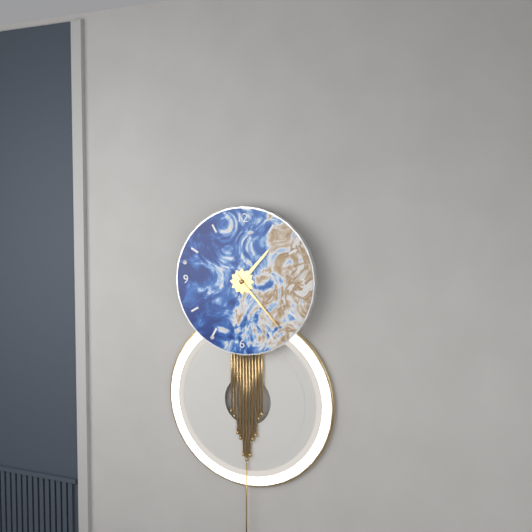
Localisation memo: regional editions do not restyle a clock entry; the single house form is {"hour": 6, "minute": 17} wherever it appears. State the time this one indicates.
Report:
{"hour": 1, "minute": 23}
